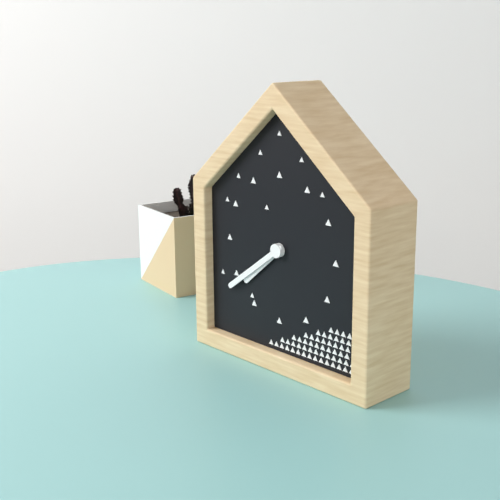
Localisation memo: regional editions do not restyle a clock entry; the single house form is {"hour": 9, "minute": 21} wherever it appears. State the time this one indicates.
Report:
{"hour": 7, "minute": 39}
